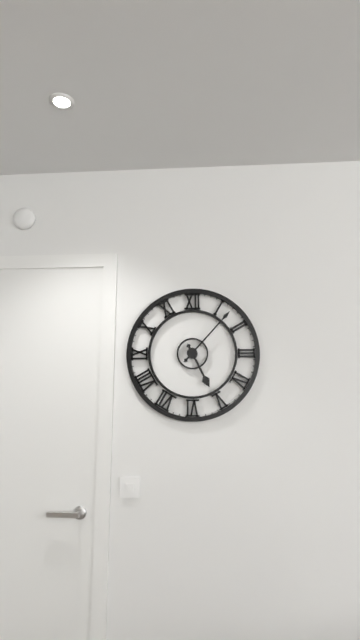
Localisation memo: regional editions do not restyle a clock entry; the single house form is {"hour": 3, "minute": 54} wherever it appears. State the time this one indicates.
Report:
{"hour": 5, "minute": 7}
